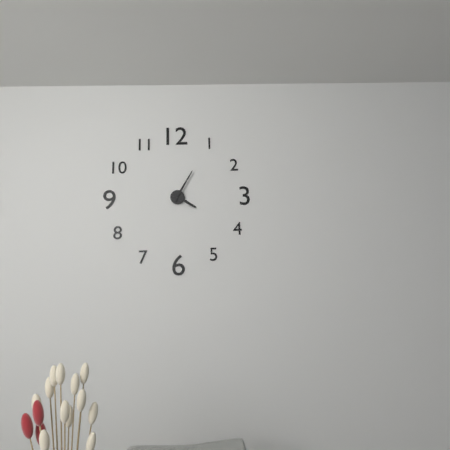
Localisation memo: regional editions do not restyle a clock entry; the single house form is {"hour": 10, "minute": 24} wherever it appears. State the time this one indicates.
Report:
{"hour": 4, "minute": 5}
